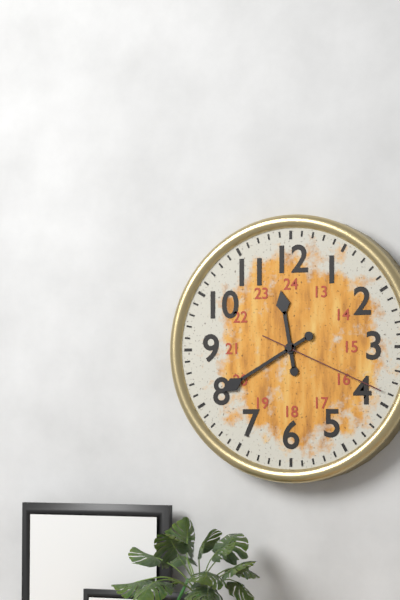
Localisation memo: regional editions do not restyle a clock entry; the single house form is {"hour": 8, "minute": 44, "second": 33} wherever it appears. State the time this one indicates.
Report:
{"hour": 11, "minute": 40, "second": 19}
